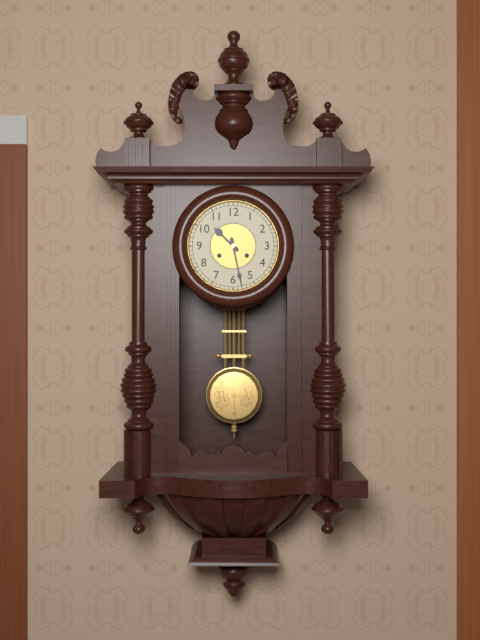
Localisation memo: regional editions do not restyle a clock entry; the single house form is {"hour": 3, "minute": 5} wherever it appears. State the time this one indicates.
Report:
{"hour": 10, "minute": 28}
